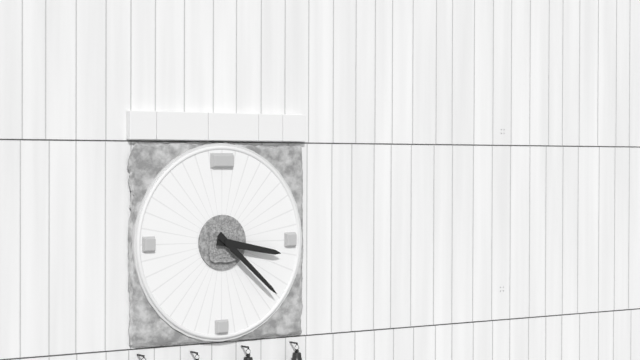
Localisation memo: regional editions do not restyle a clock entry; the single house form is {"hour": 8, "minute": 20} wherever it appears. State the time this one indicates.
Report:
{"hour": 3, "minute": 22}
